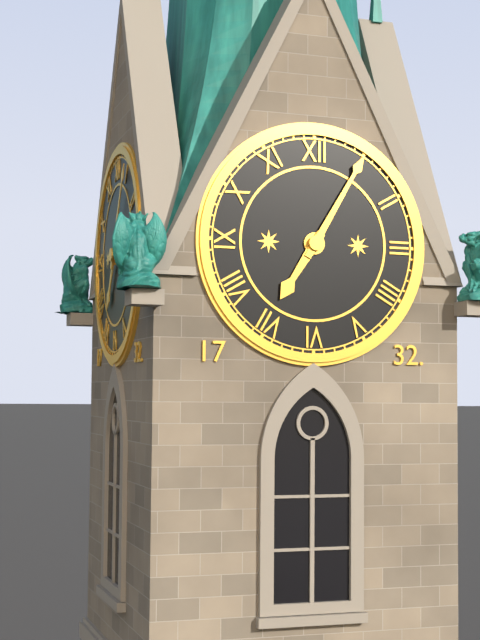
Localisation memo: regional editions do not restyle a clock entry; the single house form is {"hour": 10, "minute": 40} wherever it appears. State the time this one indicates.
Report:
{"hour": 7, "minute": 5}
